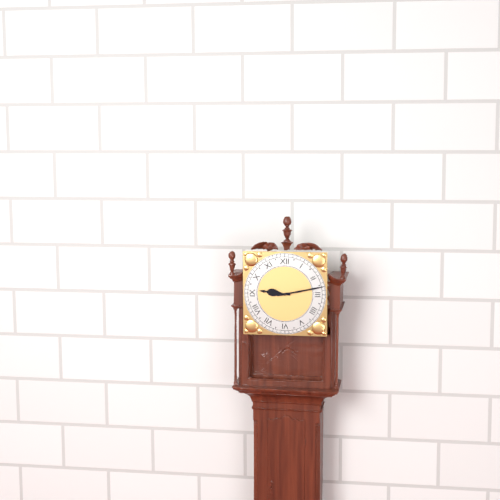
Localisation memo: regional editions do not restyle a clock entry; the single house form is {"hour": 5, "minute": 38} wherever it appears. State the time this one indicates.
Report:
{"hour": 9, "minute": 13}
